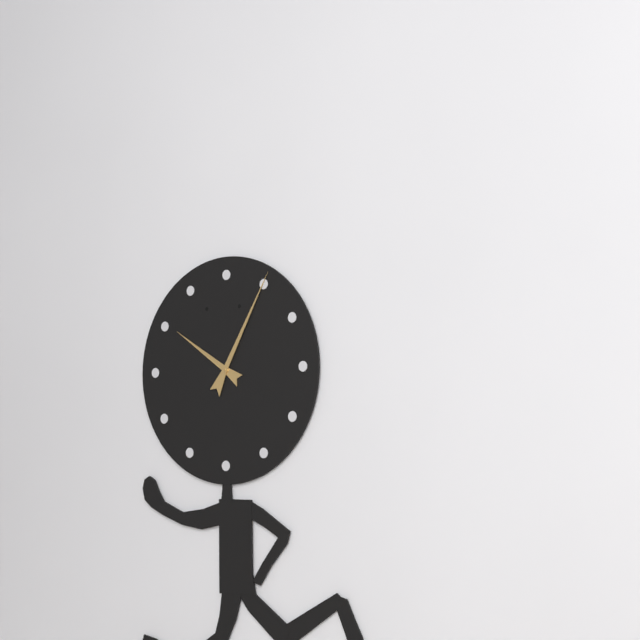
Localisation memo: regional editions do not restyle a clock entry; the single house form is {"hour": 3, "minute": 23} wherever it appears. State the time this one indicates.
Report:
{"hour": 10, "minute": 5}
